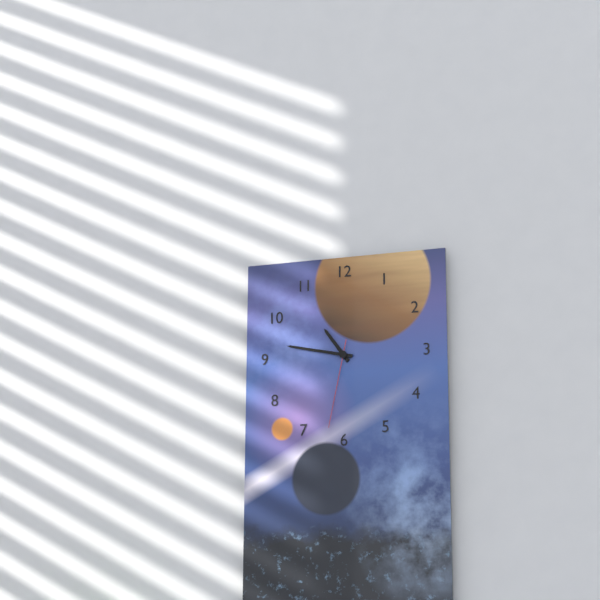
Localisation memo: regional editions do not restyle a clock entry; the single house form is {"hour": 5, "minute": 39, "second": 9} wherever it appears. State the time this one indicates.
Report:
{"hour": 10, "minute": 47, "second": 32}
